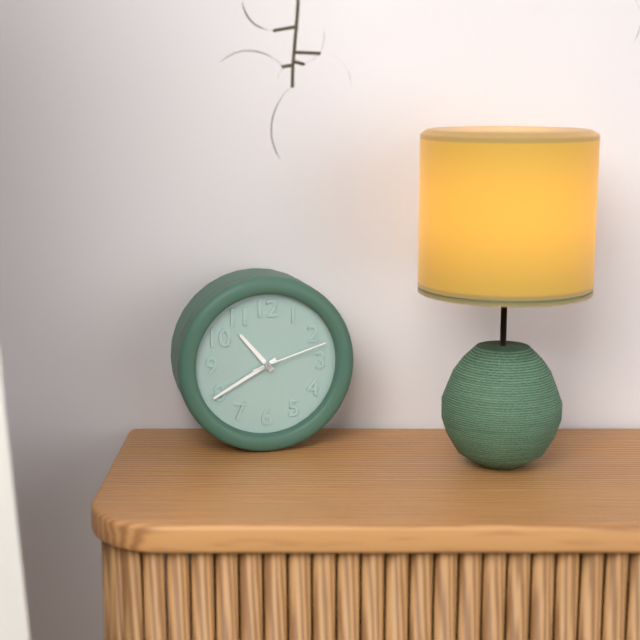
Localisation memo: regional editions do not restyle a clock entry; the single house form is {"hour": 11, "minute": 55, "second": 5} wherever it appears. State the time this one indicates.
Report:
{"hour": 10, "minute": 40, "second": 12}
